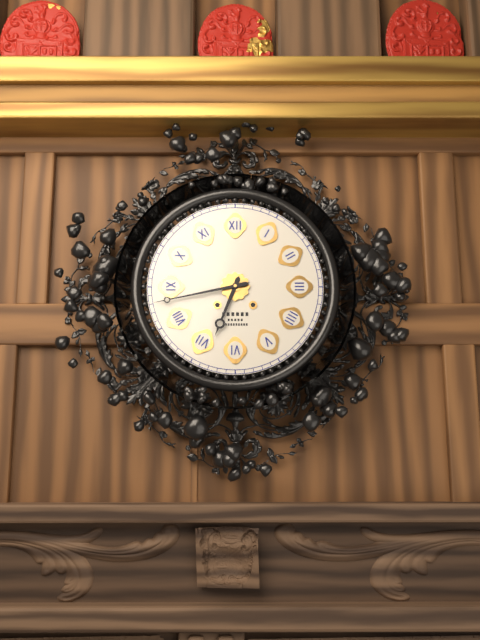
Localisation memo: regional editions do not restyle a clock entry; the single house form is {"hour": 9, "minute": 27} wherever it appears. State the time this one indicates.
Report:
{"hour": 6, "minute": 43}
